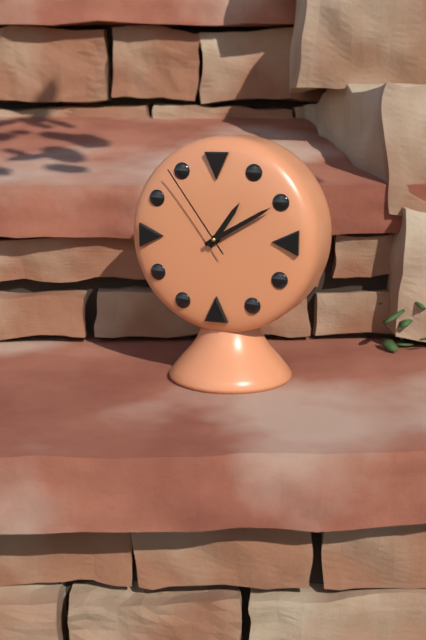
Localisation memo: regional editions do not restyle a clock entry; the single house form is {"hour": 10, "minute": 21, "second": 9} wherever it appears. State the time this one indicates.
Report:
{"hour": 1, "minute": 10, "second": 54}
